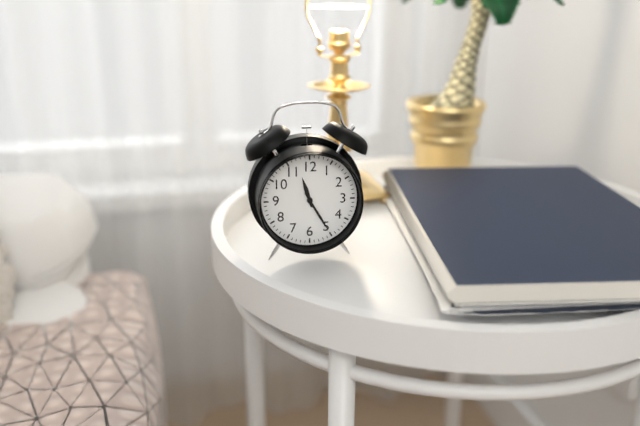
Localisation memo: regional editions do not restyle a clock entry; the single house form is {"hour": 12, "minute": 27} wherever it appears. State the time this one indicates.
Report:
{"hour": 11, "minute": 25}
